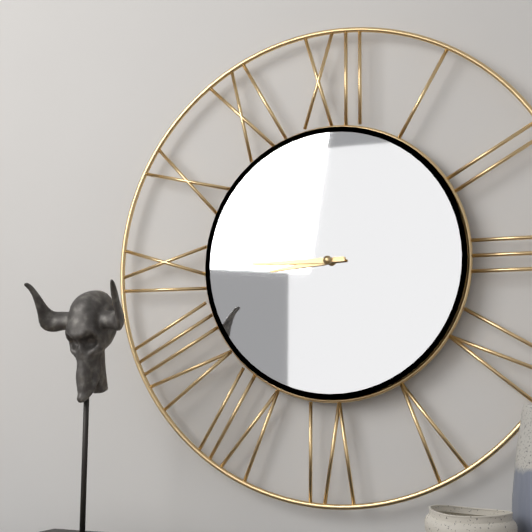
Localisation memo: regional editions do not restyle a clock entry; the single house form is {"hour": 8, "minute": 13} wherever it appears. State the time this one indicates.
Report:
{"hour": 8, "minute": 45}
